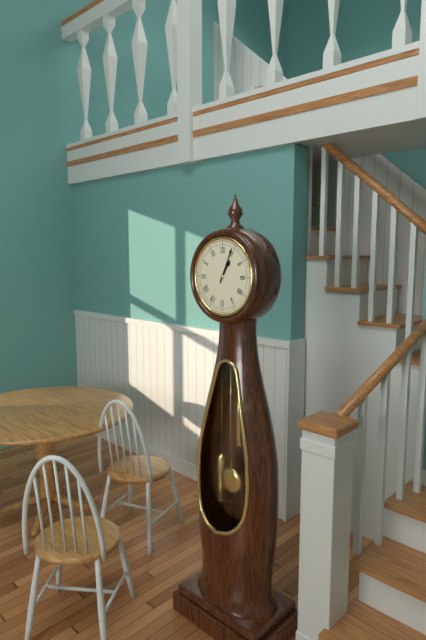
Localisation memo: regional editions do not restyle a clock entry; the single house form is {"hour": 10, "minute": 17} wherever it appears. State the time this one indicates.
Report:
{"hour": 1, "minute": 4}
